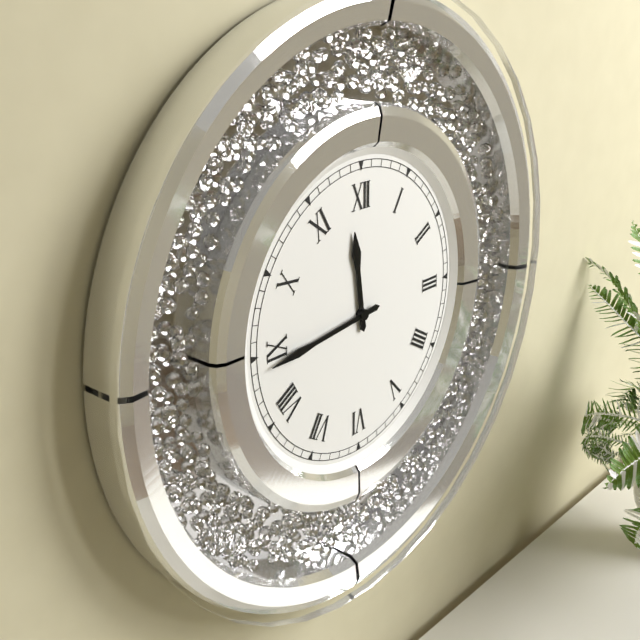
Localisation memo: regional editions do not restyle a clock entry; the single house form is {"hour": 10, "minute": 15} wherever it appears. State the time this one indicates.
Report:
{"hour": 11, "minute": 44}
